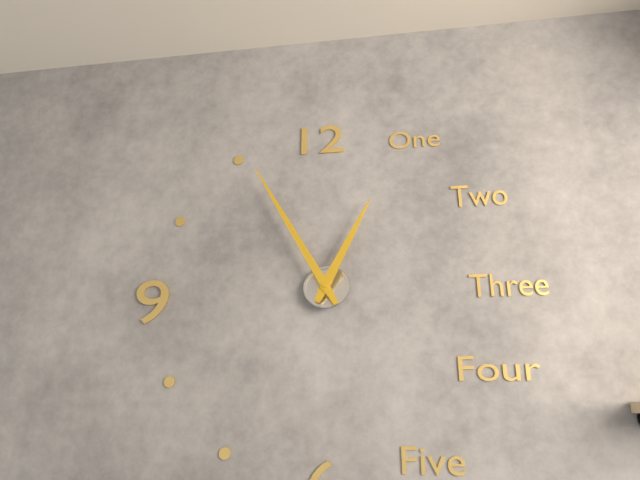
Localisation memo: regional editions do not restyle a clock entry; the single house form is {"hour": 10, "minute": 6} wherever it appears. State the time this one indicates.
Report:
{"hour": 12, "minute": 55}
